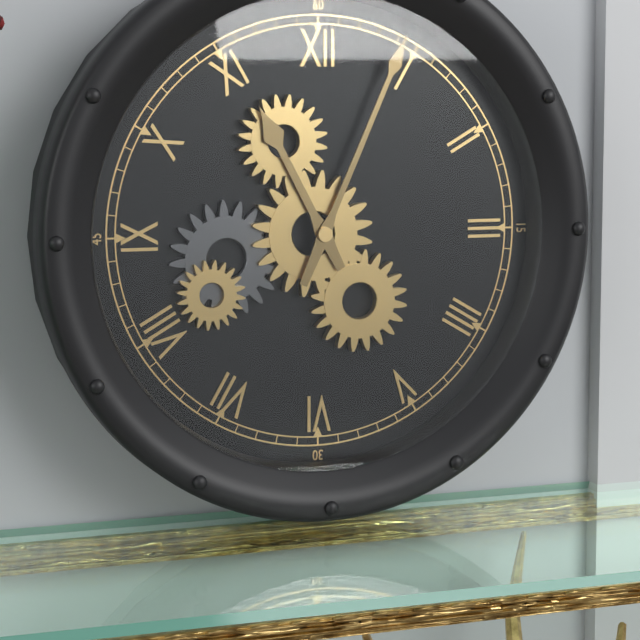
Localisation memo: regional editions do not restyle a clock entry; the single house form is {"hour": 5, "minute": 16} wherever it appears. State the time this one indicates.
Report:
{"hour": 11, "minute": 4}
